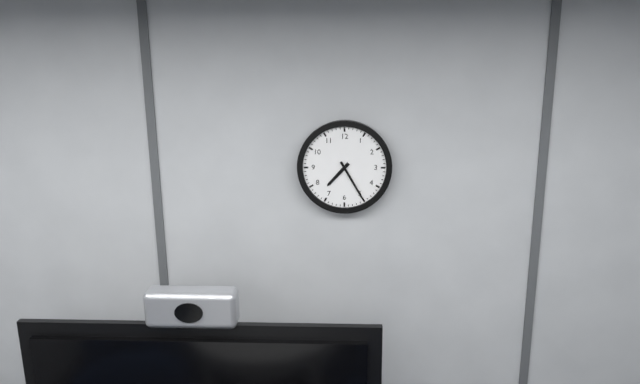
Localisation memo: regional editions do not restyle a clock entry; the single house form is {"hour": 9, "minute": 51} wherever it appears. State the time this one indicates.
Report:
{"hour": 7, "minute": 25}
